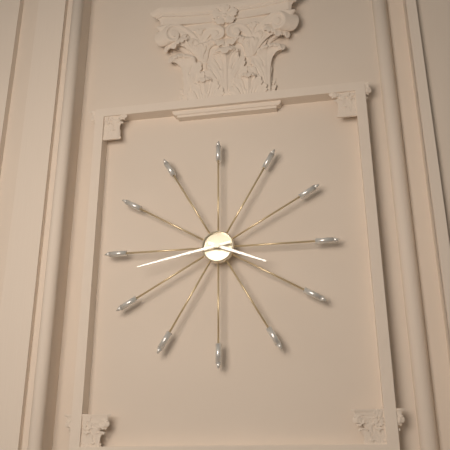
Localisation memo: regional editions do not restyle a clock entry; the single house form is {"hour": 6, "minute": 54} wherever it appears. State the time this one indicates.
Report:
{"hour": 3, "minute": 43}
